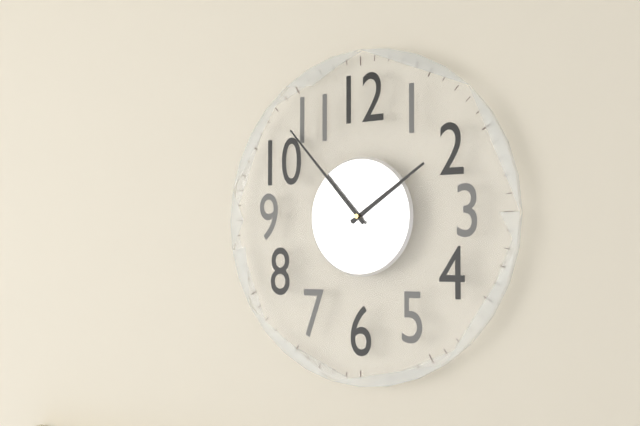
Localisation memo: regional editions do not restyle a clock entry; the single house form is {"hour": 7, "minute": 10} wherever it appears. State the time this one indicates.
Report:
{"hour": 1, "minute": 53}
